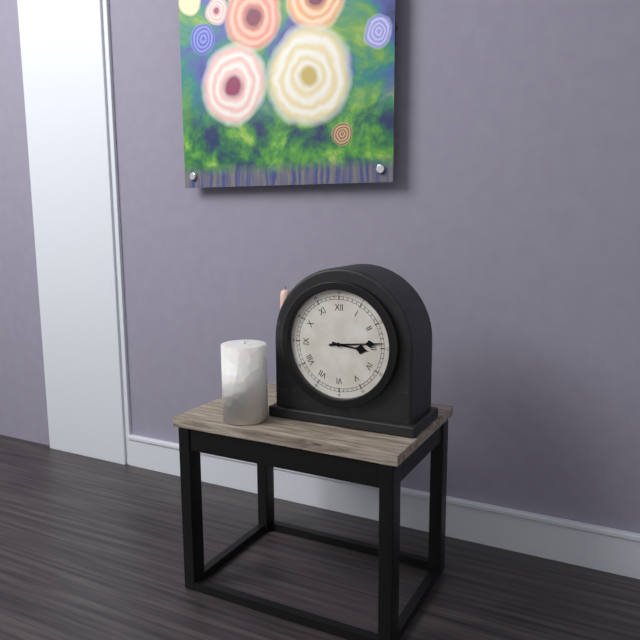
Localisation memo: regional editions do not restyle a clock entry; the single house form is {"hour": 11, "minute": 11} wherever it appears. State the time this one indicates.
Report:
{"hour": 3, "minute": 14}
